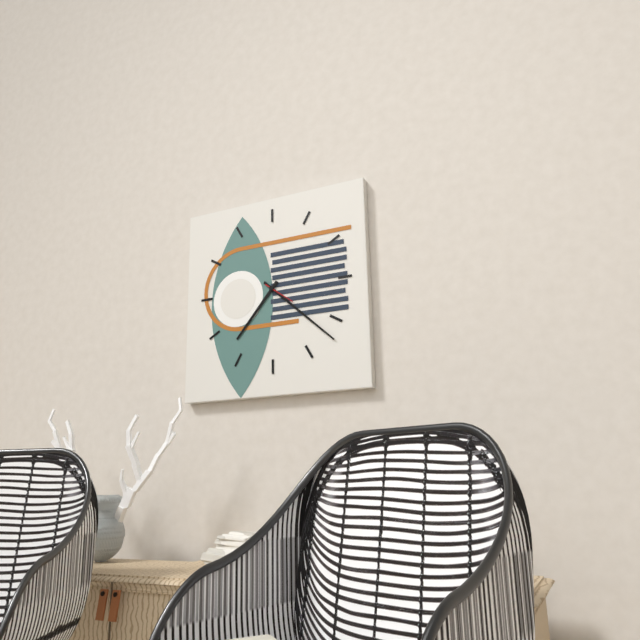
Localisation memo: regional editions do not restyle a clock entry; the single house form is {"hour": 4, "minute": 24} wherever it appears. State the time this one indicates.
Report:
{"hour": 7, "minute": 22}
